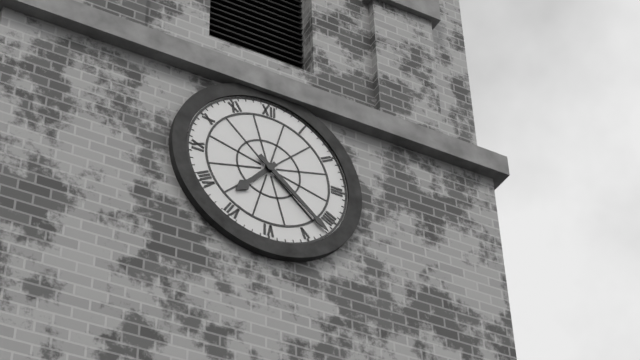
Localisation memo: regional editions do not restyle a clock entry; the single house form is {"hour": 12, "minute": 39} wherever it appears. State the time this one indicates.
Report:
{"hour": 7, "minute": 22}
